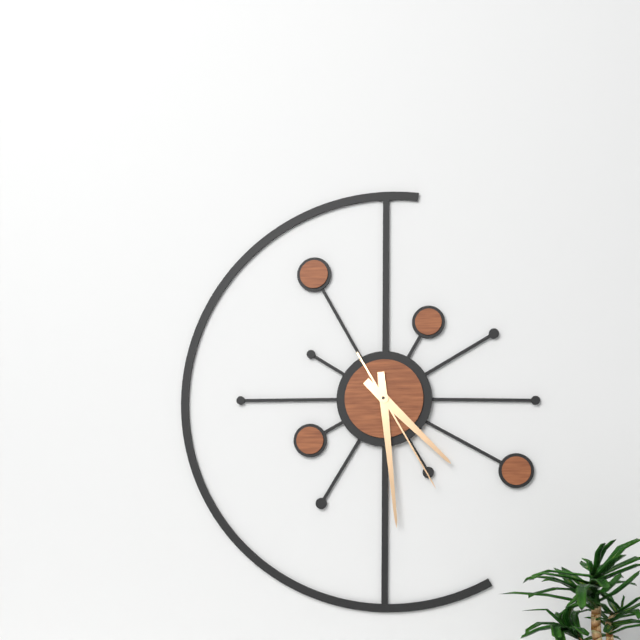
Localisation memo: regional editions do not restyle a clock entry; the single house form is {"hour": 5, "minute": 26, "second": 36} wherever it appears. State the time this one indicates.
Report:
{"hour": 4, "minute": 29, "second": 25}
